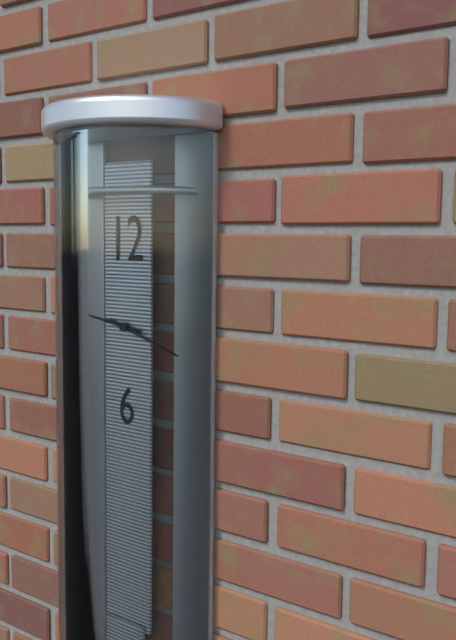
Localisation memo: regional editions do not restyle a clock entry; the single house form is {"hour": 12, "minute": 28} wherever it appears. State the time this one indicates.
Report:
{"hour": 9, "minute": 18}
